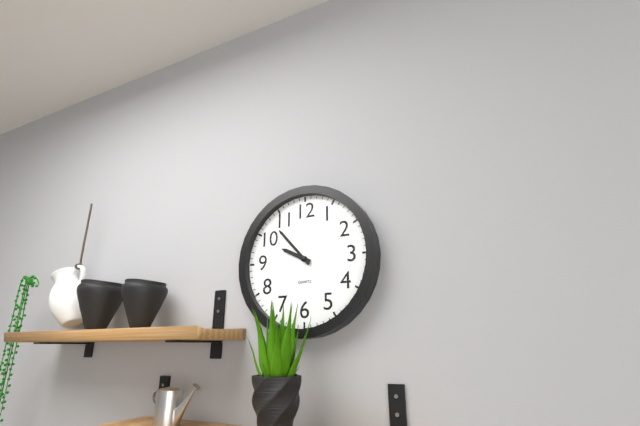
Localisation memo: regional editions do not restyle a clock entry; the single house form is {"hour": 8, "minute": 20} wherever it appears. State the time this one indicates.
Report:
{"hour": 9, "minute": 53}
